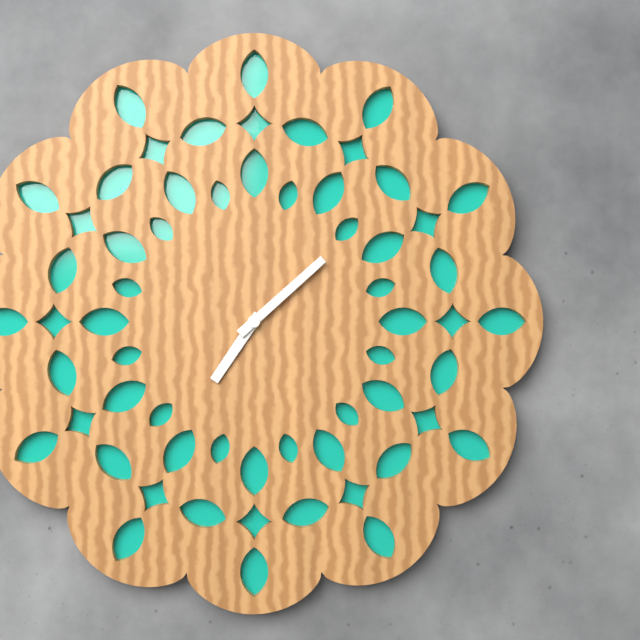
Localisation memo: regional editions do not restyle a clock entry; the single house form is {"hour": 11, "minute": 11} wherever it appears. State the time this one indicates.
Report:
{"hour": 7, "minute": 8}
